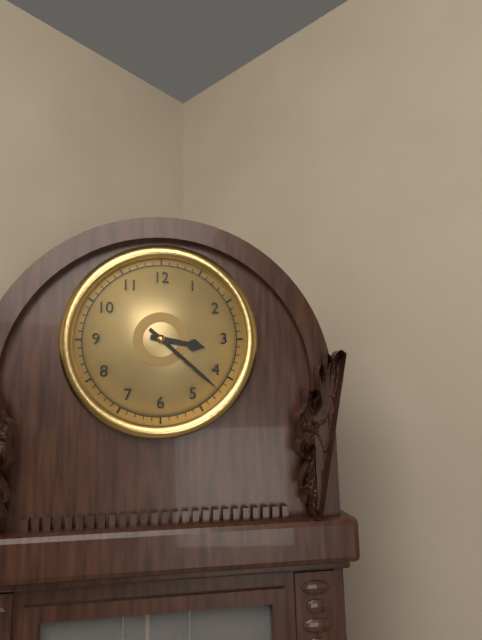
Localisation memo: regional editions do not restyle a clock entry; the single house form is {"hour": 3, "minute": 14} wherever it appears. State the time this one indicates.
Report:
{"hour": 3, "minute": 22}
